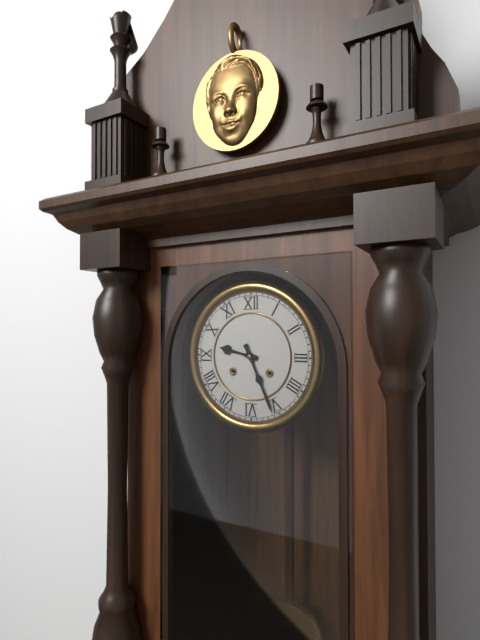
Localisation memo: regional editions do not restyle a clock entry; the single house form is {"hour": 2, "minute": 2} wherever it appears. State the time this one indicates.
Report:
{"hour": 9, "minute": 26}
